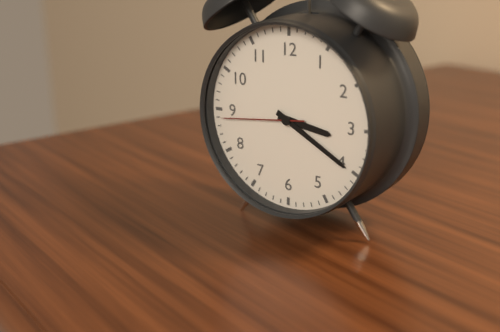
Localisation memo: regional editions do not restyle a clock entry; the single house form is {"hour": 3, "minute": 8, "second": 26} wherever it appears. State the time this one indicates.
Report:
{"hour": 3, "minute": 20, "second": 44}
